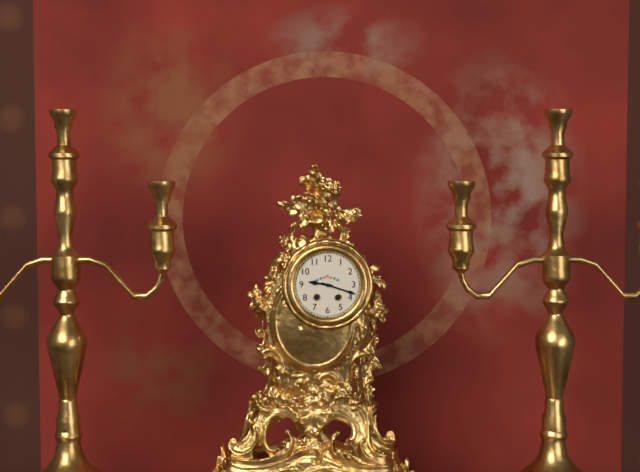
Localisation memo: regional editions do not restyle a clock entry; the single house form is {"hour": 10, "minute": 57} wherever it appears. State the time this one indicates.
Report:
{"hour": 9, "minute": 18}
